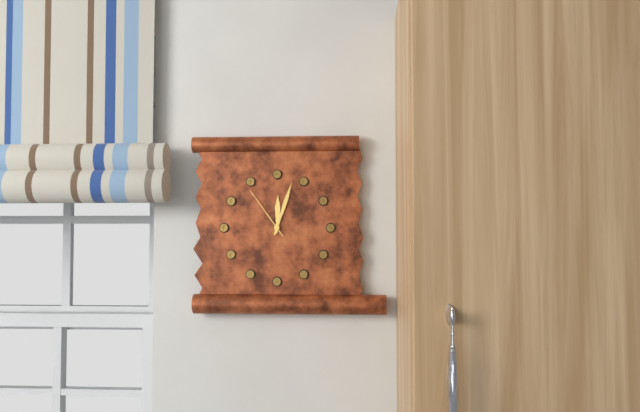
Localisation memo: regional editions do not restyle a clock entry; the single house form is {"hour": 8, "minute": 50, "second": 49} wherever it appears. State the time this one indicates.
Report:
{"hour": 12, "minute": 3, "second": 54}
